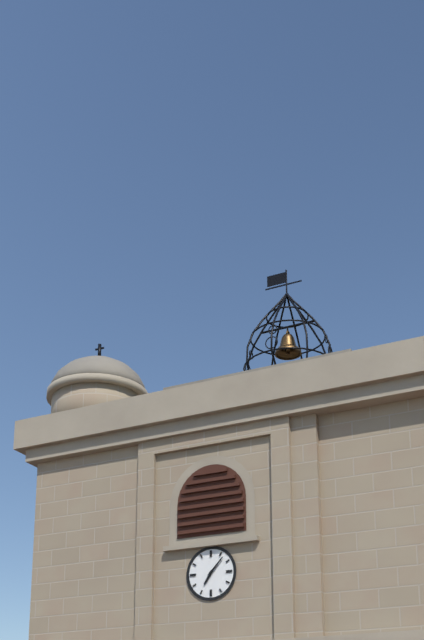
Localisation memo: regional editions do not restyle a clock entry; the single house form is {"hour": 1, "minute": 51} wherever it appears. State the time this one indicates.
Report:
{"hour": 7, "minute": 7}
